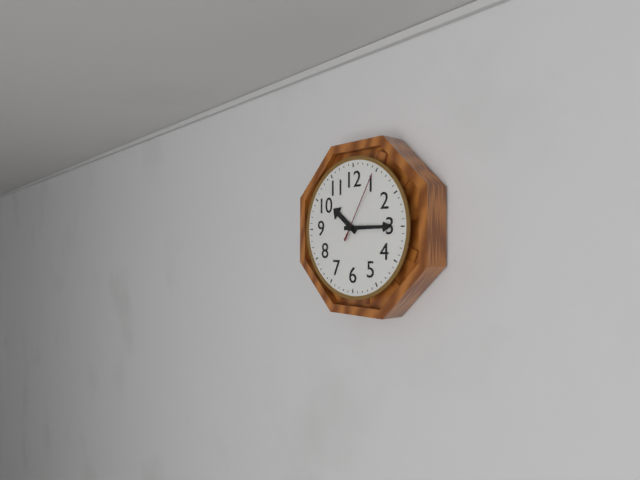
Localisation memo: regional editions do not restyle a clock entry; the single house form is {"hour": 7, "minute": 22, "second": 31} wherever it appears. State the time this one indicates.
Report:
{"hour": 10, "minute": 15, "second": 5}
